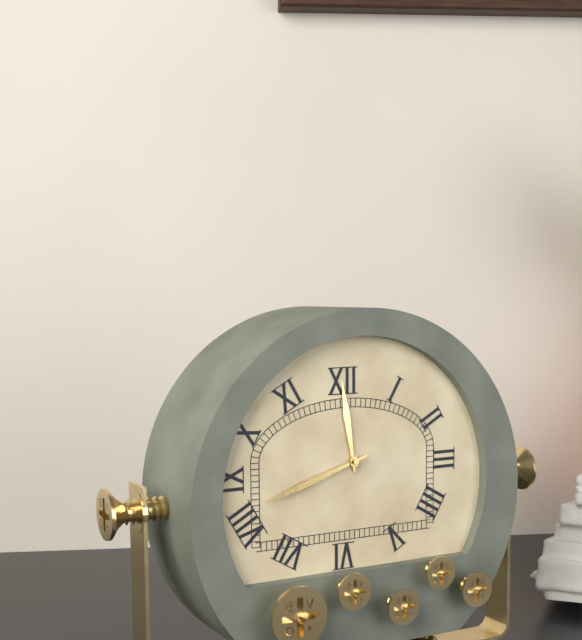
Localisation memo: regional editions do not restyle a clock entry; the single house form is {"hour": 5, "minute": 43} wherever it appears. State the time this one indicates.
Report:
{"hour": 11, "minute": 42}
